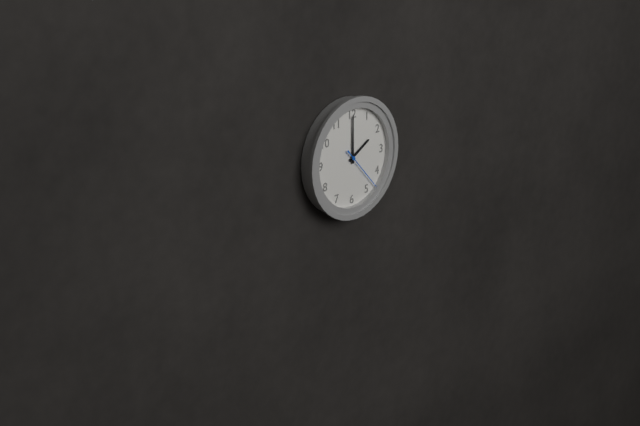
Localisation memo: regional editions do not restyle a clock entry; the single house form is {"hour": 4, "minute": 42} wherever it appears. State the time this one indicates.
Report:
{"hour": 2, "minute": 0}
